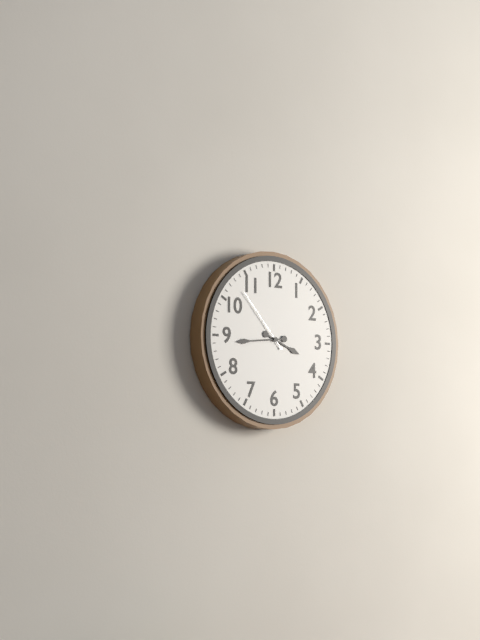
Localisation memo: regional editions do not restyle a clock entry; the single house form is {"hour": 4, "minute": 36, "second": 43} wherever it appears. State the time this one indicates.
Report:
{"hour": 3, "minute": 44, "second": 53}
